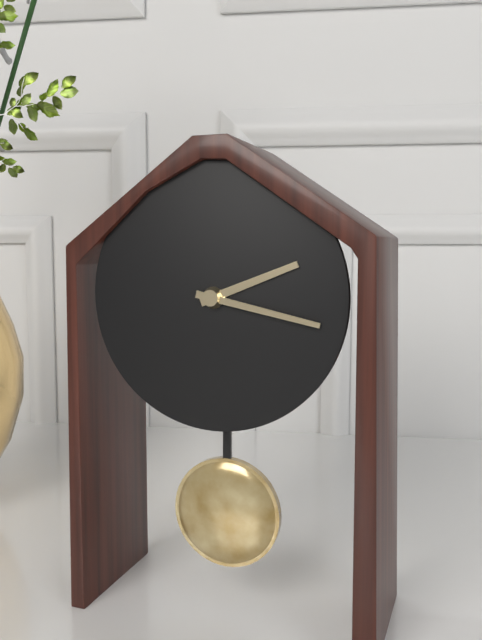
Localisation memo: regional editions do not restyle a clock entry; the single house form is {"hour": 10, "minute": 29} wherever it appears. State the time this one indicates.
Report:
{"hour": 2, "minute": 17}
